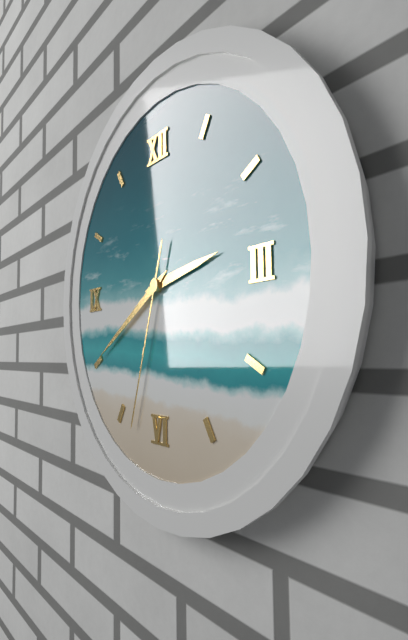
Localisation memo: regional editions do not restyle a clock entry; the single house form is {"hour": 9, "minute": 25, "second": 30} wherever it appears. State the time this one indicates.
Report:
{"hour": 2, "minute": 40, "second": 33}
